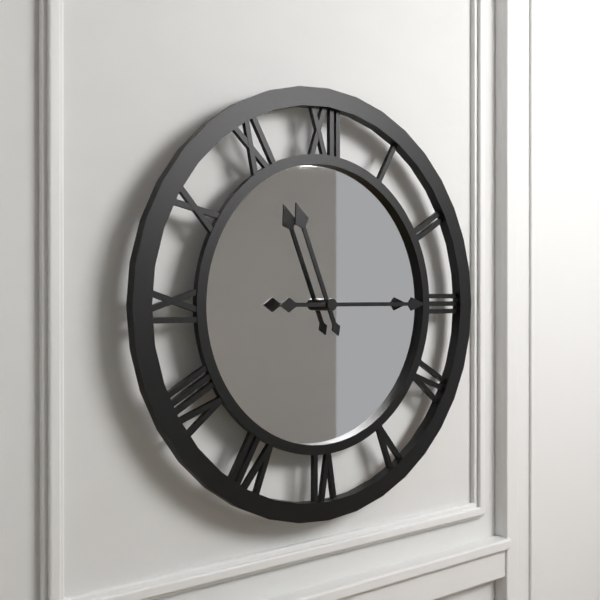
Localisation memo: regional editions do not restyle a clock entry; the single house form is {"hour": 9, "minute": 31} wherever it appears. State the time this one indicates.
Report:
{"hour": 11, "minute": 15}
